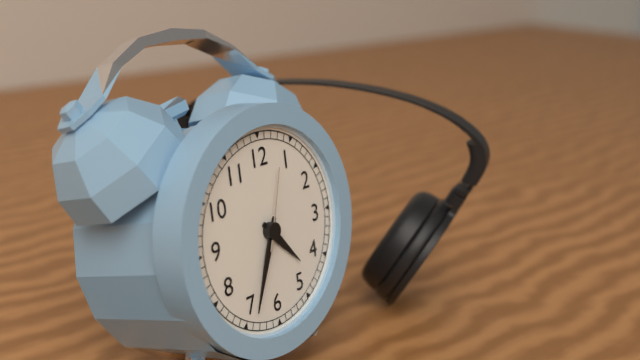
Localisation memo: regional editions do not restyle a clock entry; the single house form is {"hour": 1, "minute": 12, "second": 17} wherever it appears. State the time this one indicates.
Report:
{"hour": 4, "minute": 34, "second": 3}
